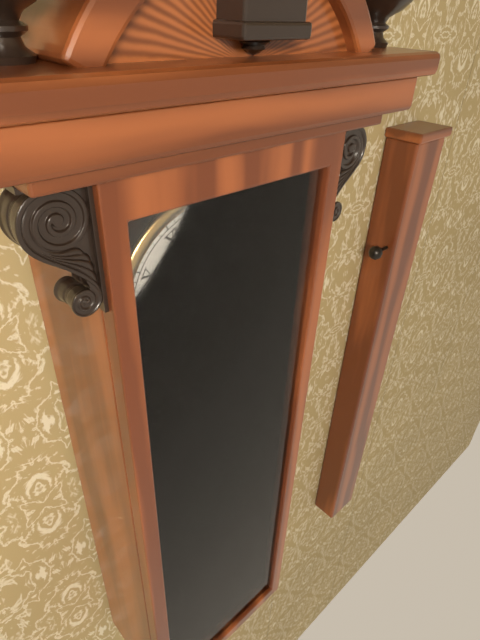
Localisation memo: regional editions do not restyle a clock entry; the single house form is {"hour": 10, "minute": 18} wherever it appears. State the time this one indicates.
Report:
{"hour": 6, "minute": 21}
